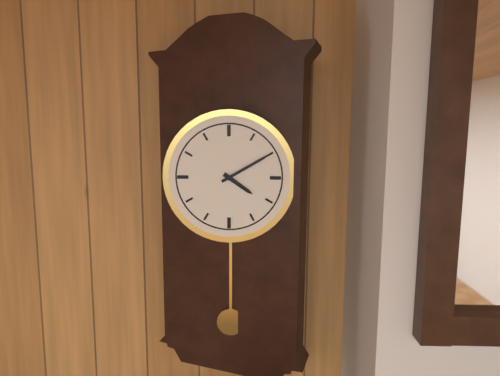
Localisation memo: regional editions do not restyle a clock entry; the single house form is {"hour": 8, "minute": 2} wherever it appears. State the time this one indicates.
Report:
{"hour": 4, "minute": 10}
